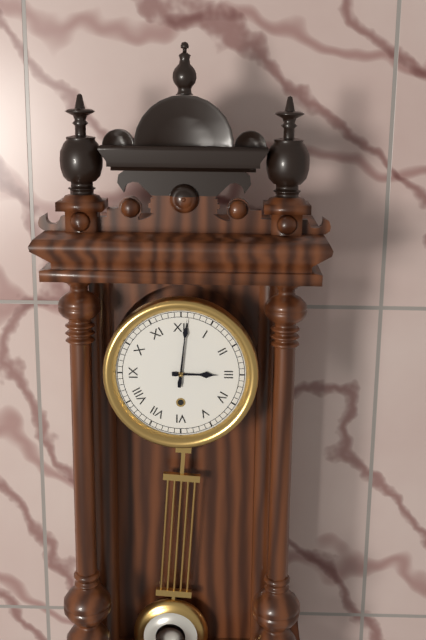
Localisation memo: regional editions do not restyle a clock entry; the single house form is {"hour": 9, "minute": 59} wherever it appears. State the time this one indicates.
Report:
{"hour": 3, "minute": 1}
